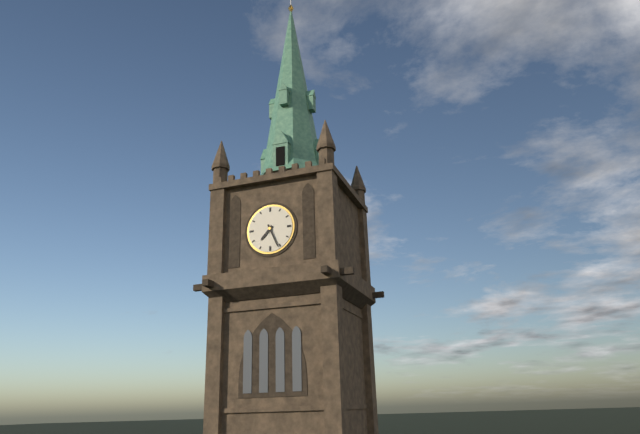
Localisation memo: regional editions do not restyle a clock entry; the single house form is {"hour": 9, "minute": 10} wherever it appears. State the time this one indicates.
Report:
{"hour": 7, "minute": 26}
